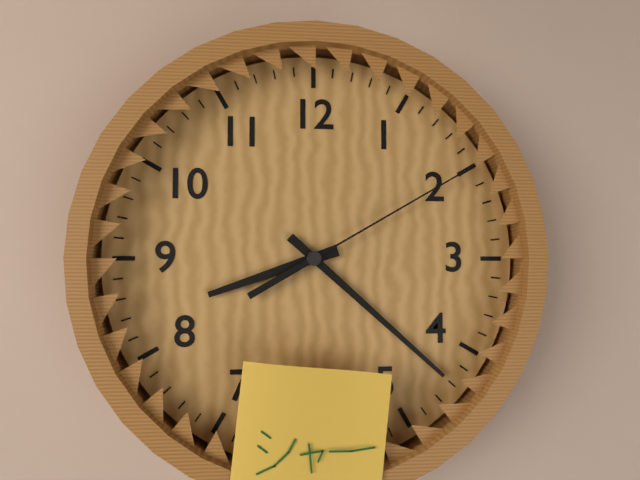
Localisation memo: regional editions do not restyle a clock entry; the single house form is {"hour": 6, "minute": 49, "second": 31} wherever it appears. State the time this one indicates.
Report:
{"hour": 8, "minute": 22, "second": 10}
